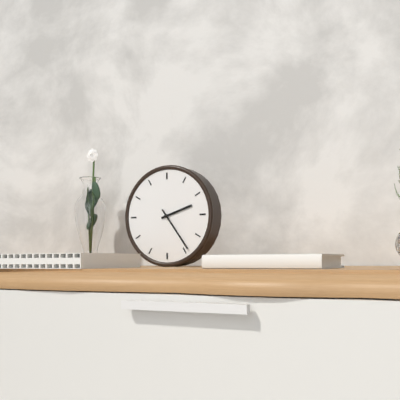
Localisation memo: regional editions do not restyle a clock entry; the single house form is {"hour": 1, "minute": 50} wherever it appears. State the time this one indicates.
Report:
{"hour": 2, "minute": 24}
